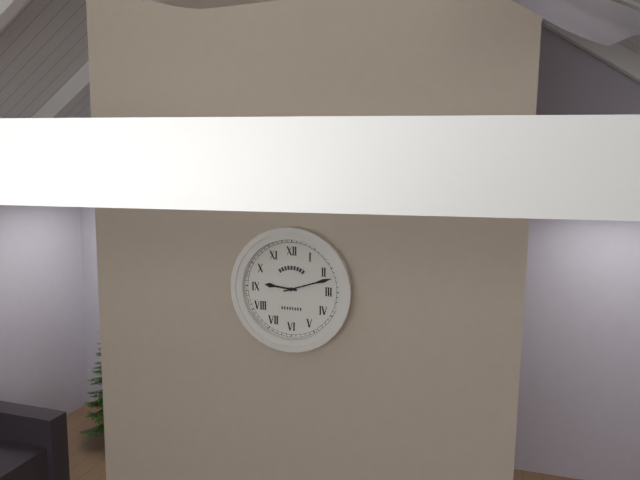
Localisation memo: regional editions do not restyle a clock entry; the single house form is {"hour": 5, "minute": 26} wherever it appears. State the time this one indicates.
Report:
{"hour": 9, "minute": 12}
